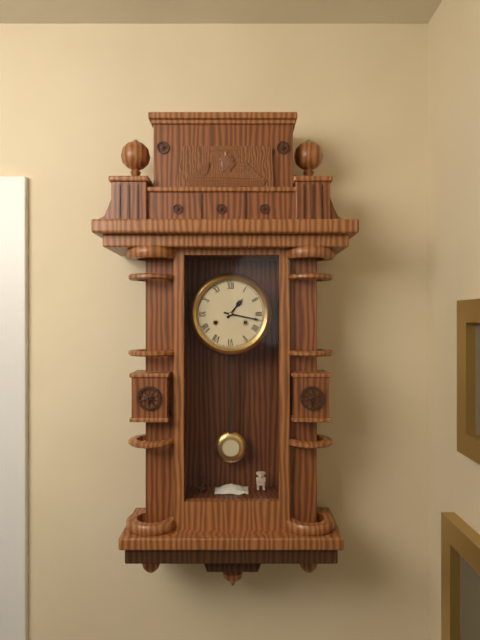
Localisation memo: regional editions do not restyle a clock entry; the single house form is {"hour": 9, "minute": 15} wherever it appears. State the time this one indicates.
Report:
{"hour": 1, "minute": 17}
